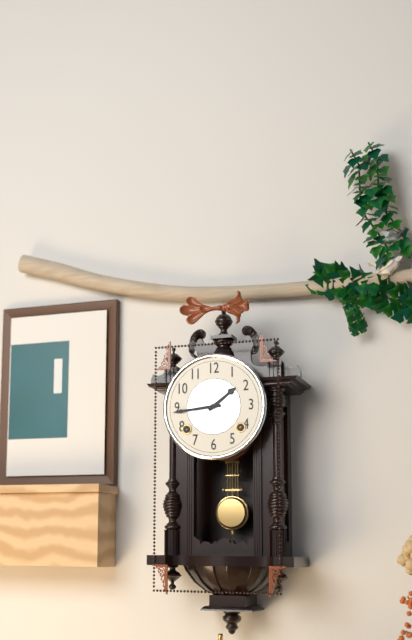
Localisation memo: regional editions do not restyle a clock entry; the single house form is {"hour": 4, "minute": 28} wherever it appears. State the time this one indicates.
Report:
{"hour": 1, "minute": 44}
